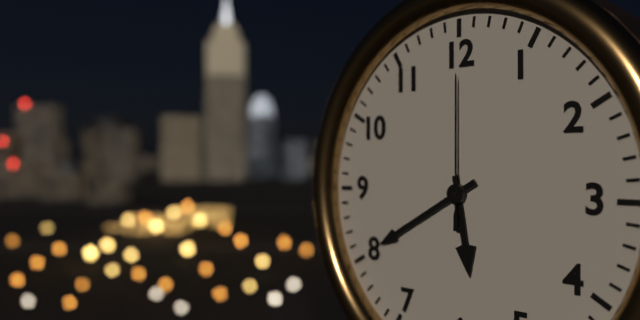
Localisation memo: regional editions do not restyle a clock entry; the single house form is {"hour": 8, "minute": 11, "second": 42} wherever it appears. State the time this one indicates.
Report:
{"hour": 5, "minute": 40, "second": 0}
